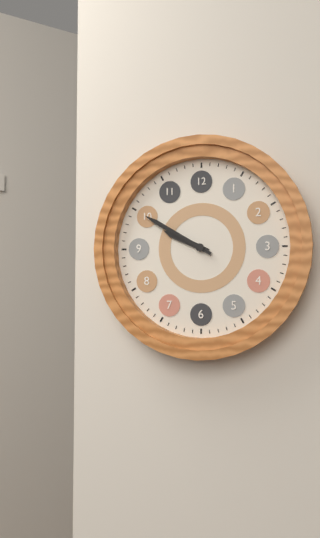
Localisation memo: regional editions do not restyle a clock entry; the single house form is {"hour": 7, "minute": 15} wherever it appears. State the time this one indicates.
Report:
{"hour": 9, "minute": 50}
